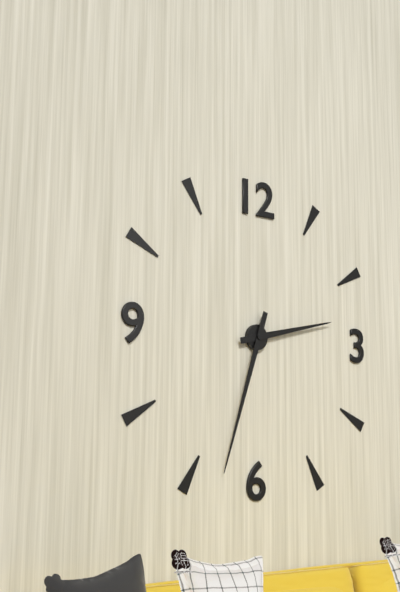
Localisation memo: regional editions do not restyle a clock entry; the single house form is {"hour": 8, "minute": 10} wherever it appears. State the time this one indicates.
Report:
{"hour": 2, "minute": 33}
